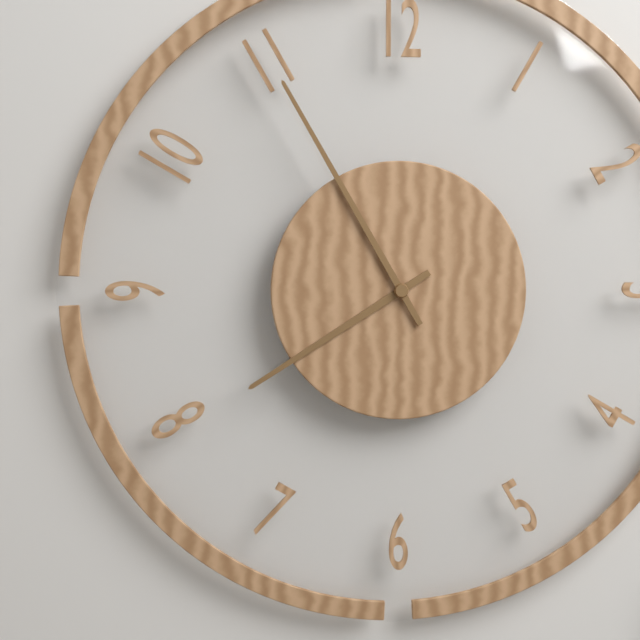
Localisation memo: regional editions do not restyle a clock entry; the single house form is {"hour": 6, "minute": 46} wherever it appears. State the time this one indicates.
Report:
{"hour": 7, "minute": 55}
